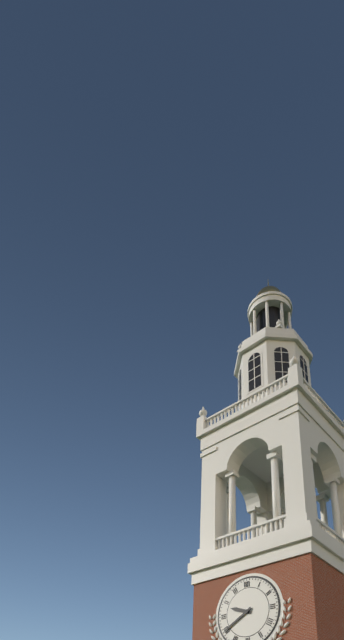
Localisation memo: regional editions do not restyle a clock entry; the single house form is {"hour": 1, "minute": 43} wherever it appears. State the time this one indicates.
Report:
{"hour": 9, "minute": 40}
